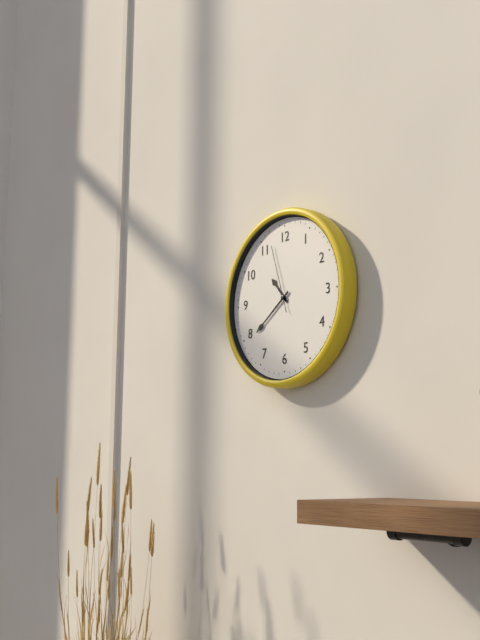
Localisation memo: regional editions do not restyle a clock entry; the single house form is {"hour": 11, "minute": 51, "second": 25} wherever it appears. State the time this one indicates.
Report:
{"hour": 10, "minute": 39, "second": 57}
